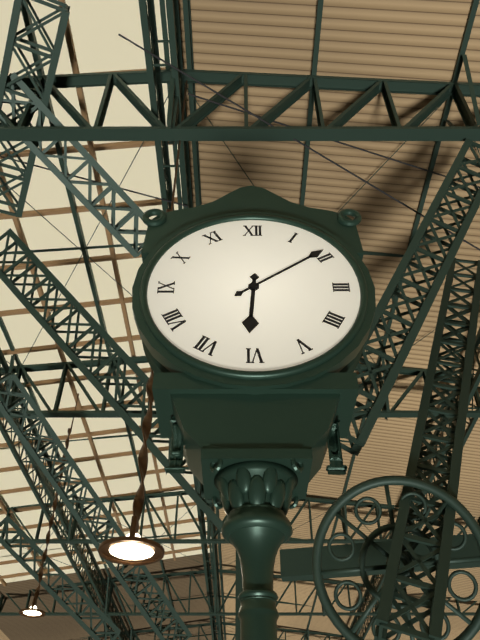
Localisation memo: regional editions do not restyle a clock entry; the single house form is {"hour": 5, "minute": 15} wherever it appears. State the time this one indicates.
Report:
{"hour": 6, "minute": 9}
